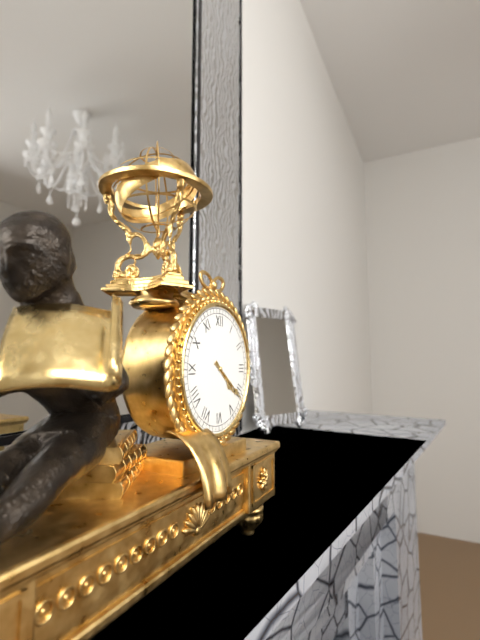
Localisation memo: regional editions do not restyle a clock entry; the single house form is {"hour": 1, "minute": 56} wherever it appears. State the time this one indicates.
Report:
{"hour": 4, "minute": 21}
